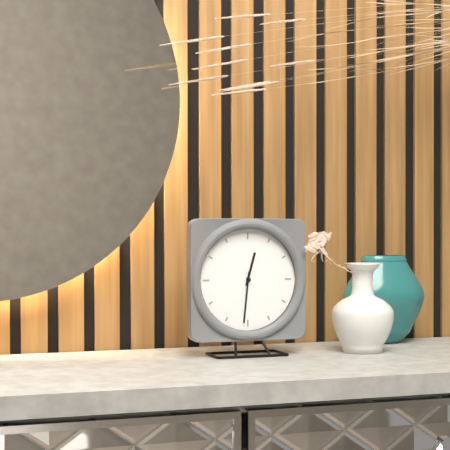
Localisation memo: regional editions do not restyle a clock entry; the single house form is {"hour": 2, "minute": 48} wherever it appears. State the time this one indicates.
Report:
{"hour": 12, "minute": 31}
